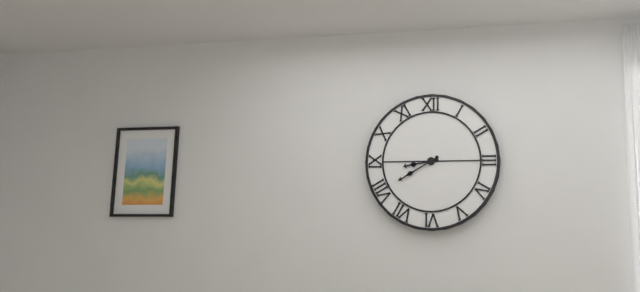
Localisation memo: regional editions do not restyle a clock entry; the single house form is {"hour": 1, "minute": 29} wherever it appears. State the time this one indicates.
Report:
{"hour": 8, "minute": 40}
